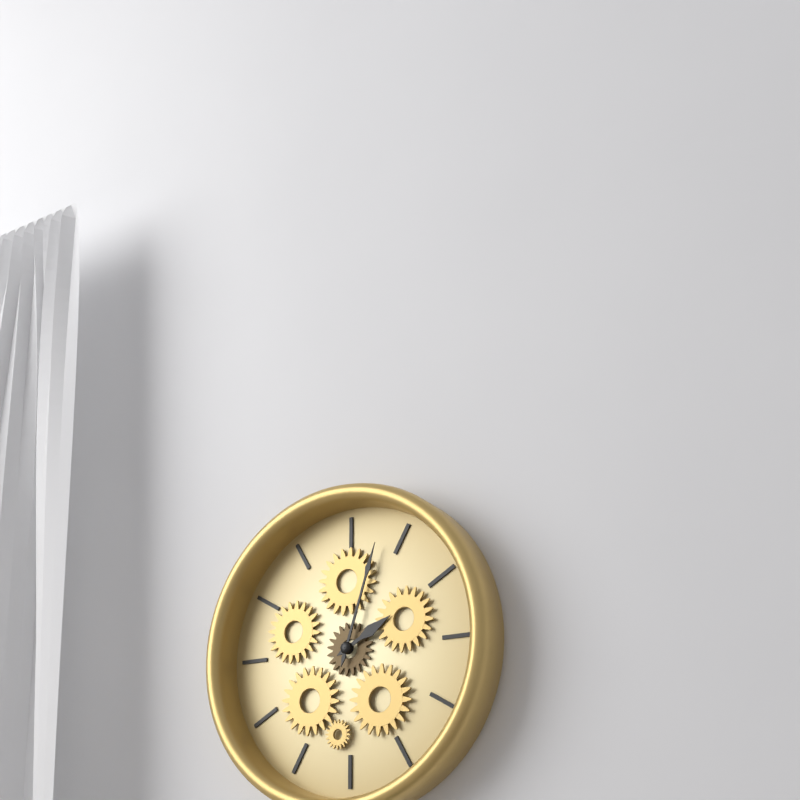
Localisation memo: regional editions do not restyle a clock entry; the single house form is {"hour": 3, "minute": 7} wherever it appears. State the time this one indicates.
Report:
{"hour": 2, "minute": 3}
